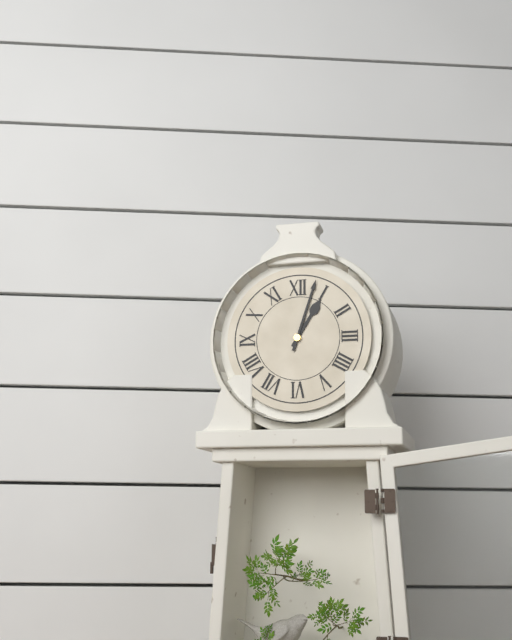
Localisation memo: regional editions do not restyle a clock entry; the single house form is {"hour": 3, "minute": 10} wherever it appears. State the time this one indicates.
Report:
{"hour": 1, "minute": 3}
